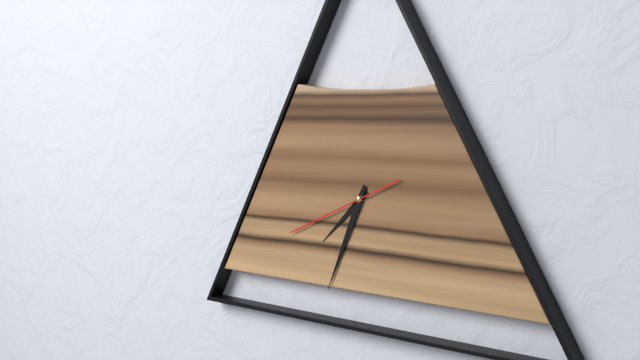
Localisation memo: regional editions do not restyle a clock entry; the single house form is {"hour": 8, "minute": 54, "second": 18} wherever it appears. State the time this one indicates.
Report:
{"hour": 7, "minute": 34, "second": 41}
